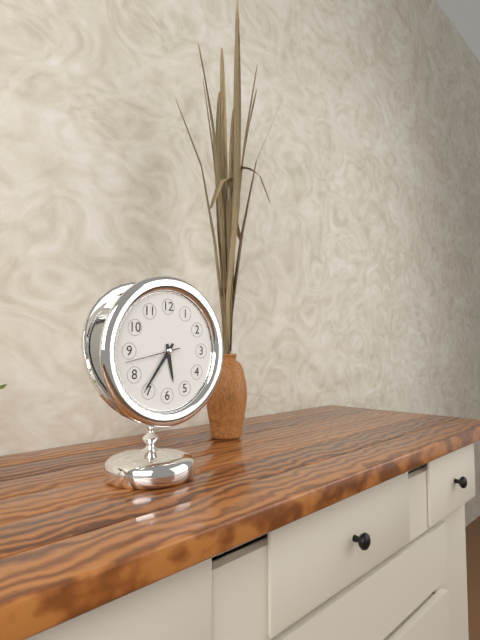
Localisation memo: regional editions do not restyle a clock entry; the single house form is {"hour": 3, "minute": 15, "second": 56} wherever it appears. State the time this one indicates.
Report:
{"hour": 5, "minute": 36, "second": 43}
